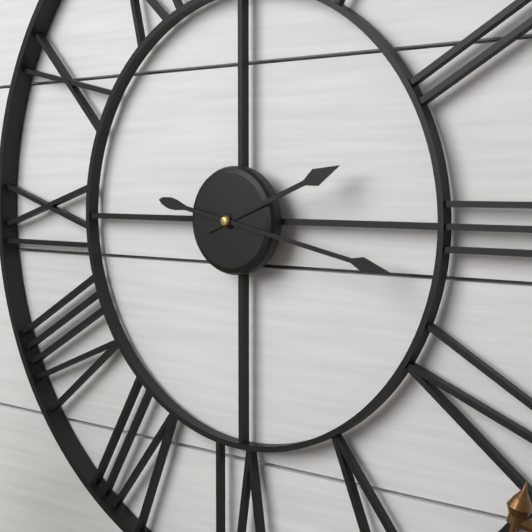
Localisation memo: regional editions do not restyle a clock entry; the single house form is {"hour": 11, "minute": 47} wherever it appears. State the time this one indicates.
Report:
{"hour": 2, "minute": 17}
